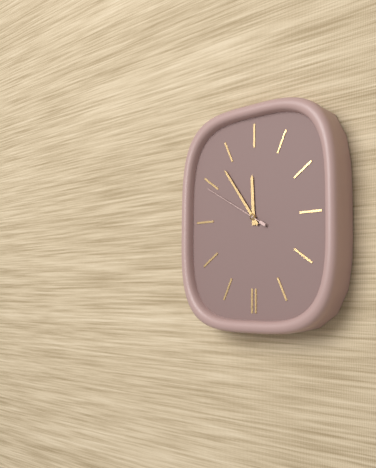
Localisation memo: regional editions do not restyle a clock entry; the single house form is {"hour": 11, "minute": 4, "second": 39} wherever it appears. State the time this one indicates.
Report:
{"hour": 11, "minute": 54, "second": 50}
